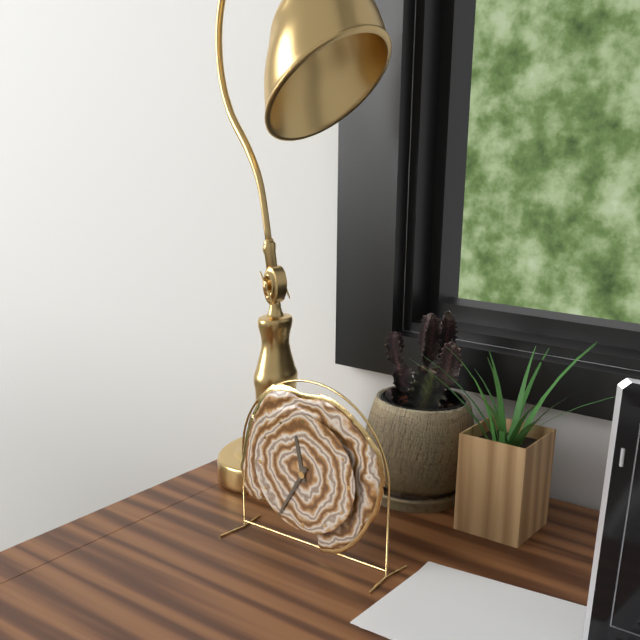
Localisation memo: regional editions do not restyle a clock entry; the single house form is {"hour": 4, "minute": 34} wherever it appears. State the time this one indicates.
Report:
{"hour": 11, "minute": 35}
